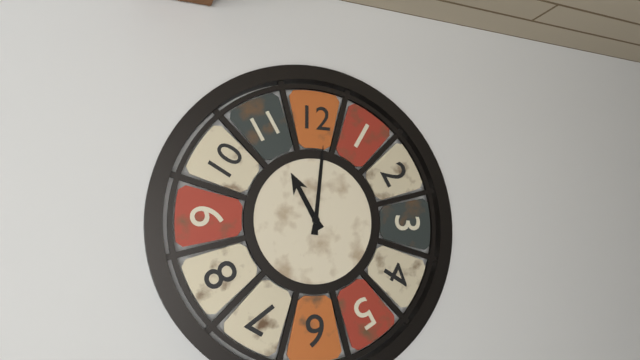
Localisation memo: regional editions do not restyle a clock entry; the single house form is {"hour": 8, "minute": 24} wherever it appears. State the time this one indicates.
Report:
{"hour": 11, "minute": 1}
